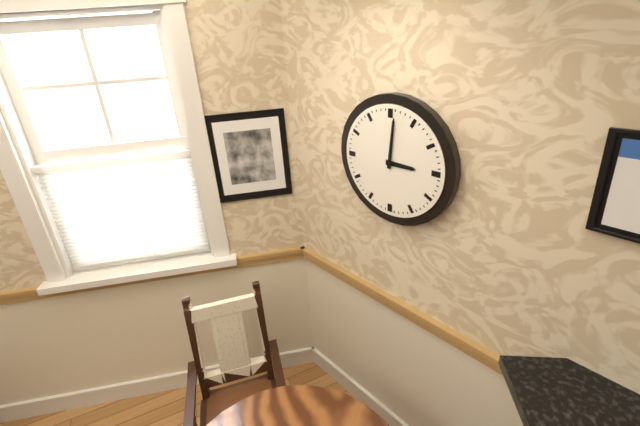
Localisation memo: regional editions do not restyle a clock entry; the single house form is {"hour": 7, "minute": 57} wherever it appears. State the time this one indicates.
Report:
{"hour": 3, "minute": 1}
